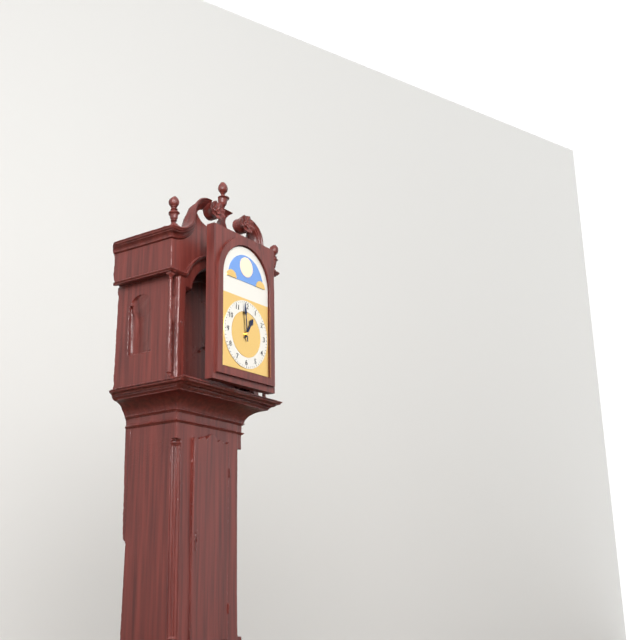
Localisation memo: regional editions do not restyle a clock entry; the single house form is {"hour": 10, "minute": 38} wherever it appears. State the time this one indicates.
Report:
{"hour": 12, "minute": 59}
